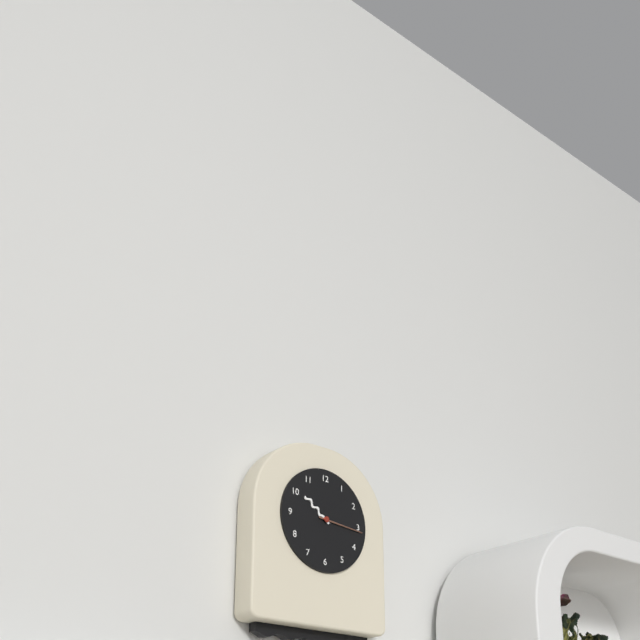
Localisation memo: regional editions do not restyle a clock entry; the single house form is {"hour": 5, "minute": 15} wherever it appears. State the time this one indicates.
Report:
{"hour": 10, "minute": 16}
